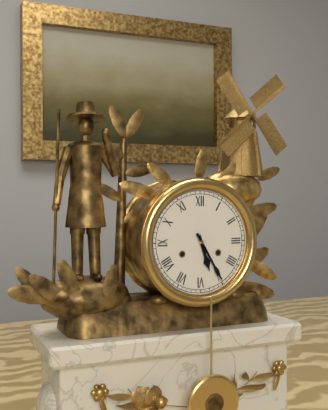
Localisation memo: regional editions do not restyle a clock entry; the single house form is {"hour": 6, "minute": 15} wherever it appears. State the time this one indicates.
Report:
{"hour": 5, "minute": 25}
